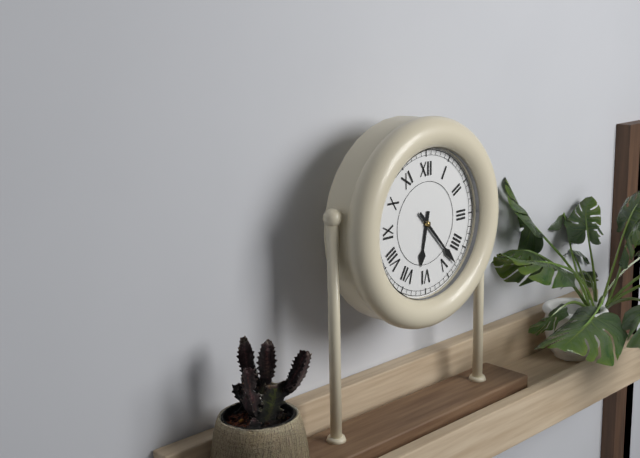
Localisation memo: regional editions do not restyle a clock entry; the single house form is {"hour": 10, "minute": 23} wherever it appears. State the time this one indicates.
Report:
{"hour": 6, "minute": 23}
